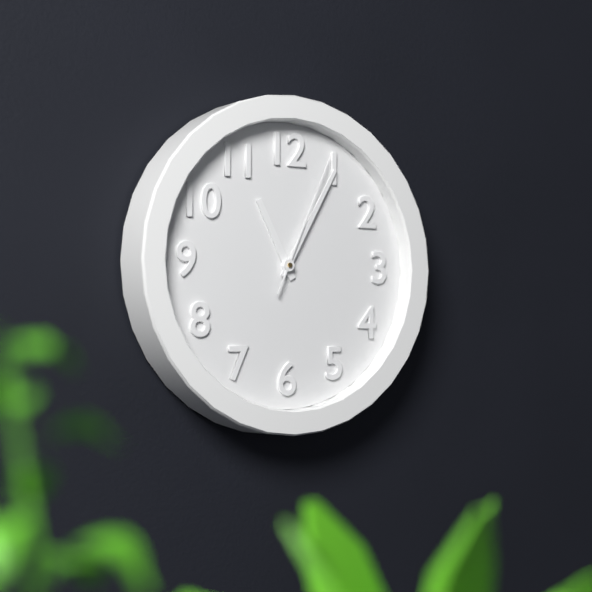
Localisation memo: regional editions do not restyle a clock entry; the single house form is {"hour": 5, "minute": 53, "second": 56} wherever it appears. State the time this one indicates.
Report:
{"hour": 11, "minute": 5, "second": 4}
